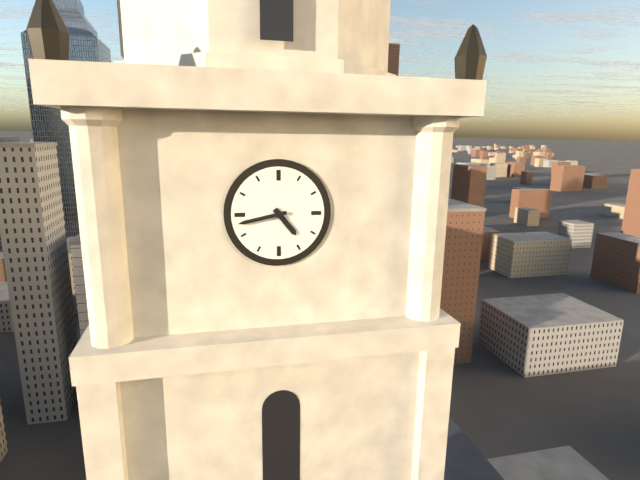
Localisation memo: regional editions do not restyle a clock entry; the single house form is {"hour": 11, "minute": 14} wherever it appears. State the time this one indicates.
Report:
{"hour": 4, "minute": 43}
